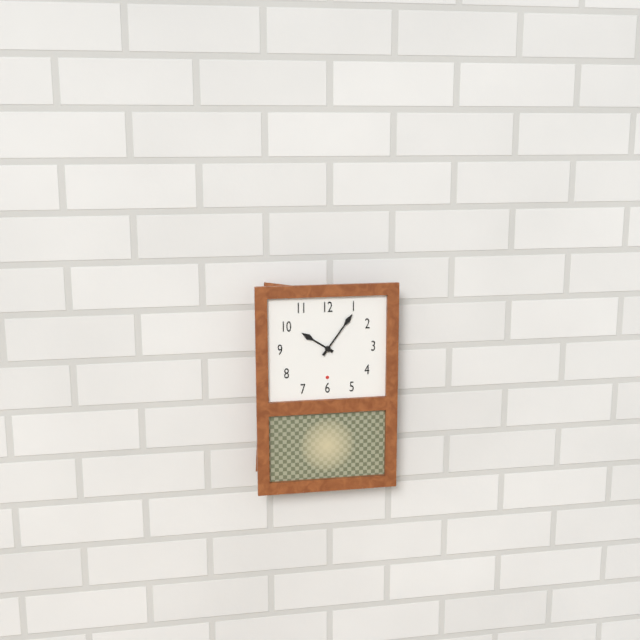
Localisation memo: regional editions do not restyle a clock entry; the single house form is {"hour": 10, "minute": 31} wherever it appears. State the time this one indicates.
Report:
{"hour": 10, "minute": 6}
